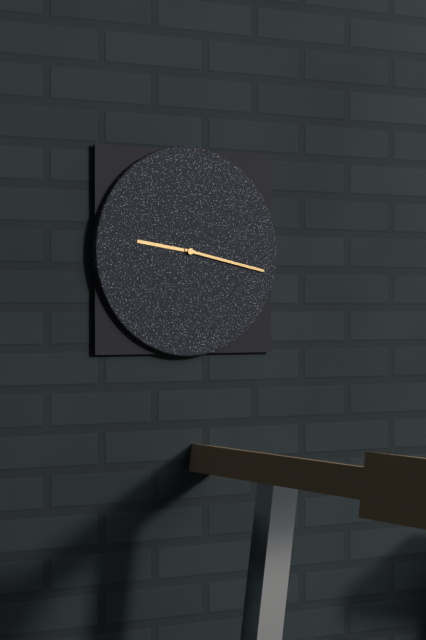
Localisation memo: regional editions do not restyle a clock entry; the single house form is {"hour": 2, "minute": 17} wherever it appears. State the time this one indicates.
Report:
{"hour": 9, "minute": 17}
